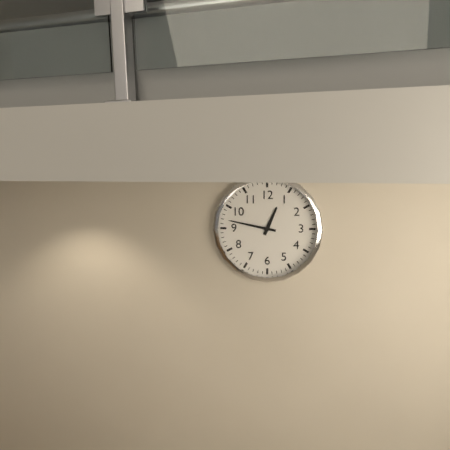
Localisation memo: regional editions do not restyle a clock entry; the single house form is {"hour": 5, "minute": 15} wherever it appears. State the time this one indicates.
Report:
{"hour": 12, "minute": 47}
